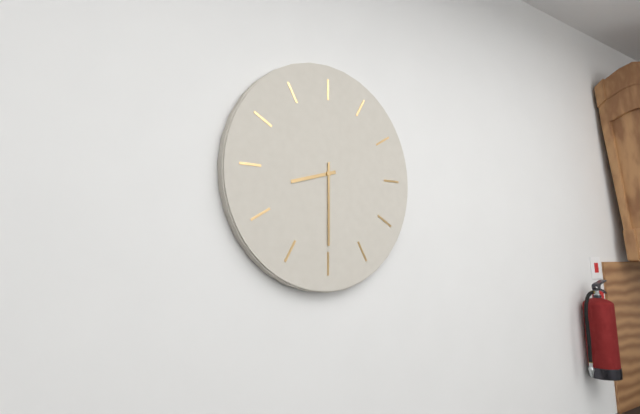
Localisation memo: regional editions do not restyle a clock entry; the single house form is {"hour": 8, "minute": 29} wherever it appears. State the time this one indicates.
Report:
{"hour": 8, "minute": 30}
